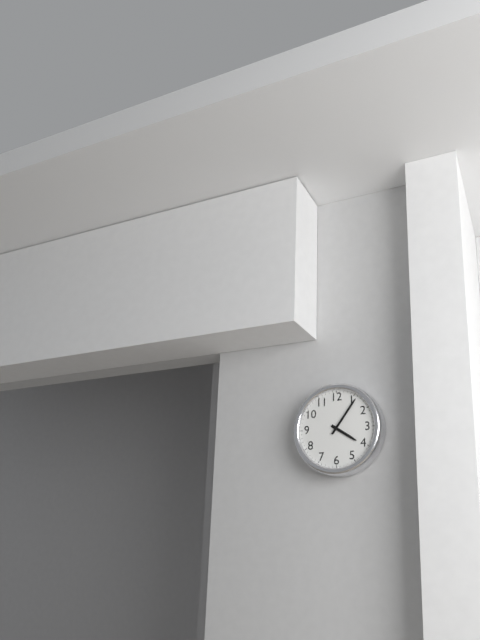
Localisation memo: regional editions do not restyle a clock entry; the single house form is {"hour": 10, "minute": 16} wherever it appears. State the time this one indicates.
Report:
{"hour": 4, "minute": 6}
